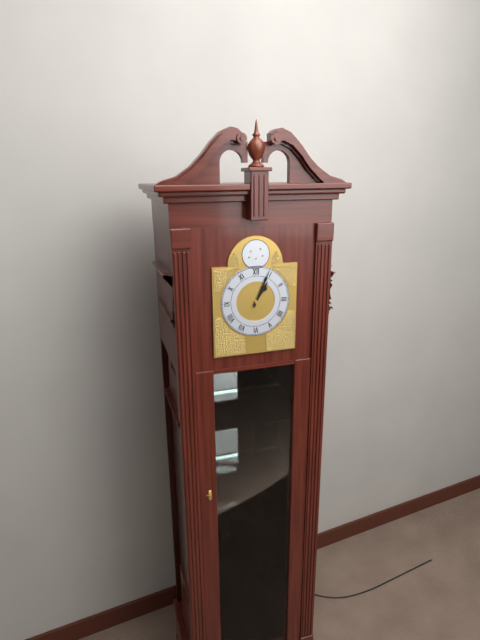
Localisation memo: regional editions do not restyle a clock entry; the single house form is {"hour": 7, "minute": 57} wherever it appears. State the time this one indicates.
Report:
{"hour": 1, "minute": 4}
